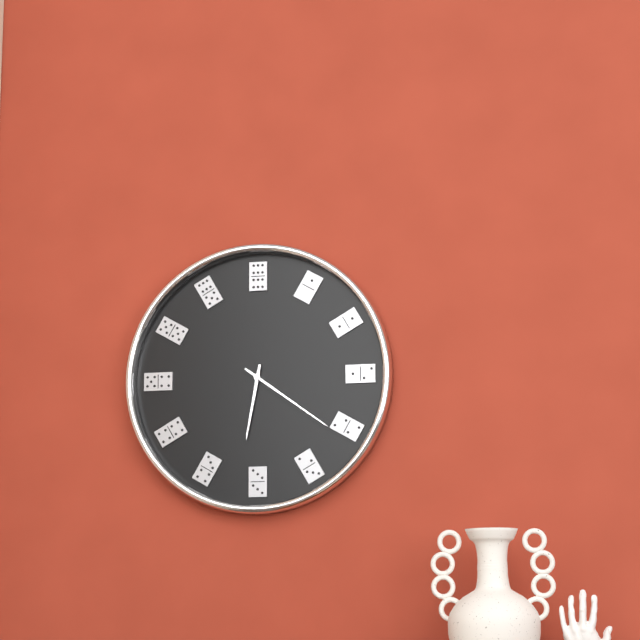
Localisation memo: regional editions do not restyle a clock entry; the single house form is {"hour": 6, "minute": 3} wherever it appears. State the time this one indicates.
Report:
{"hour": 6, "minute": 21}
